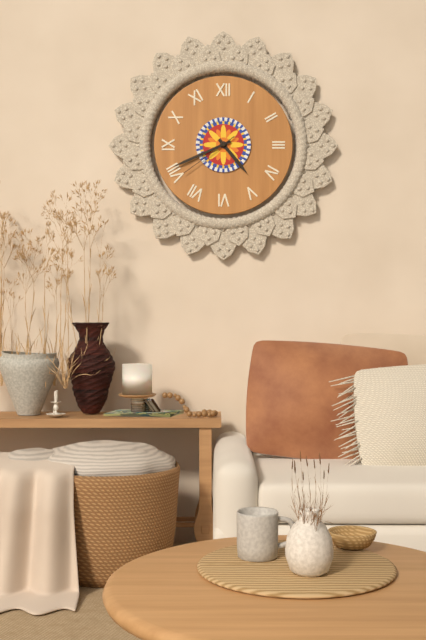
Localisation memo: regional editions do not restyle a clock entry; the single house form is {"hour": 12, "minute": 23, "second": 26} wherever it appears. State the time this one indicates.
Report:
{"hour": 4, "minute": 41, "second": 39}
